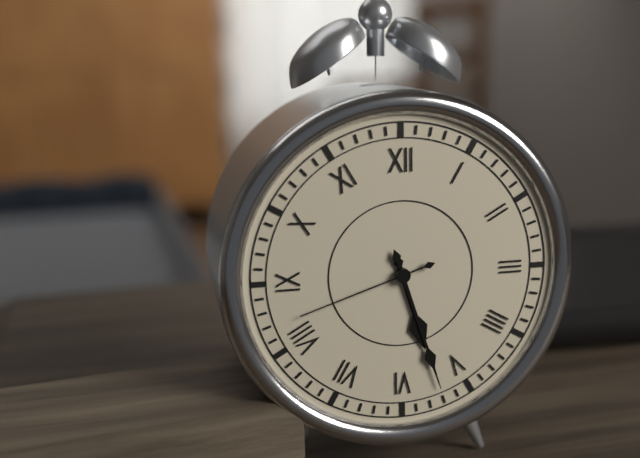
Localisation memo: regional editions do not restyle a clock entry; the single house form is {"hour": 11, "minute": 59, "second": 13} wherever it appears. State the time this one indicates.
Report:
{"hour": 5, "minute": 27, "second": 42}
